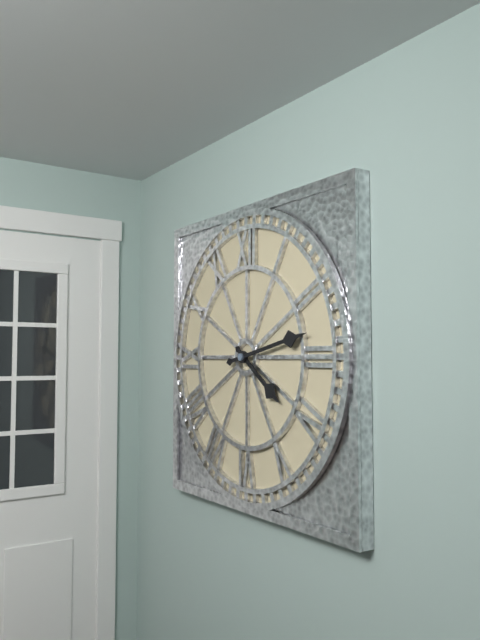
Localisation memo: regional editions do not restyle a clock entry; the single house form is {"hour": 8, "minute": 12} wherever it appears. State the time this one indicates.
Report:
{"hour": 4, "minute": 13}
